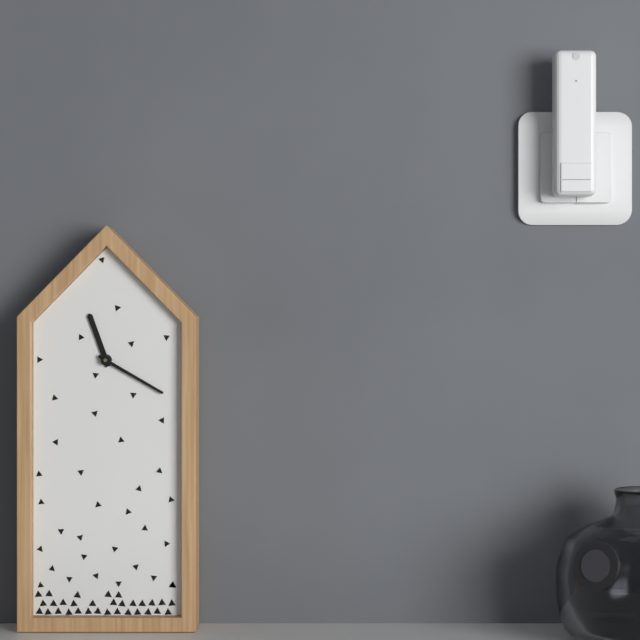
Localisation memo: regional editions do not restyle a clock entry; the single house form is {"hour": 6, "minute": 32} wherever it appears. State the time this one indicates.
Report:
{"hour": 11, "minute": 20}
